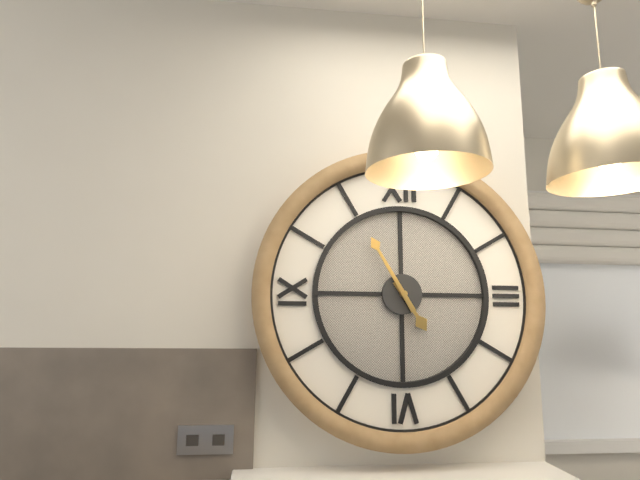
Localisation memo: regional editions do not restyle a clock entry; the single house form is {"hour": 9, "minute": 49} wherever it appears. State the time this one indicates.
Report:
{"hour": 4, "minute": 55}
